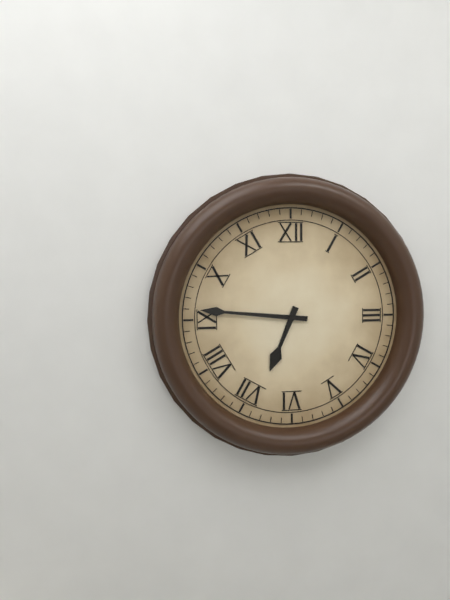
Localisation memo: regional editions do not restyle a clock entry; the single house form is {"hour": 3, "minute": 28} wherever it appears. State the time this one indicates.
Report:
{"hour": 6, "minute": 46}
